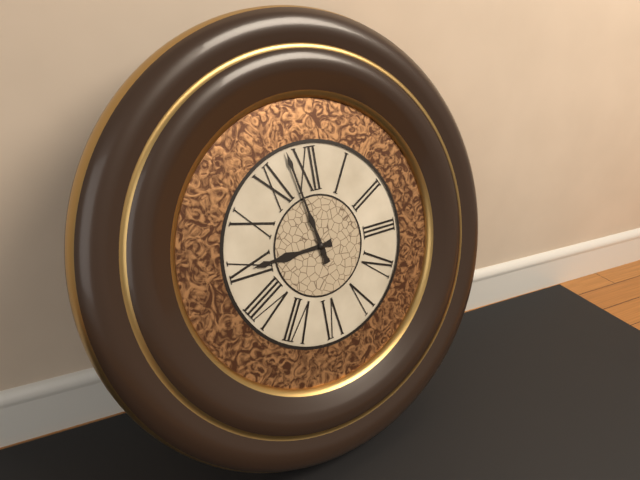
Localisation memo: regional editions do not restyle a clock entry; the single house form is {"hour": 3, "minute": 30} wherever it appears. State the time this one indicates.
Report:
{"hour": 8, "minute": 58}
